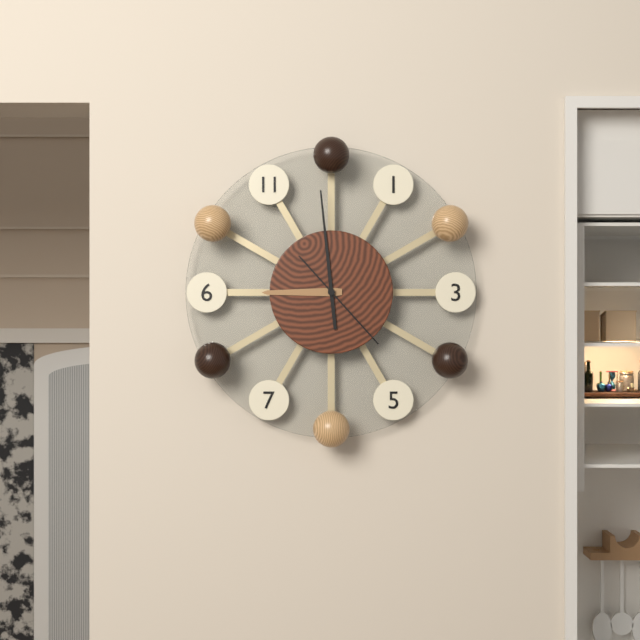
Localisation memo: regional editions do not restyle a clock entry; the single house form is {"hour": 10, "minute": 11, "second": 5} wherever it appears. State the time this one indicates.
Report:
{"hour": 8, "minute": 59, "second": 23}
